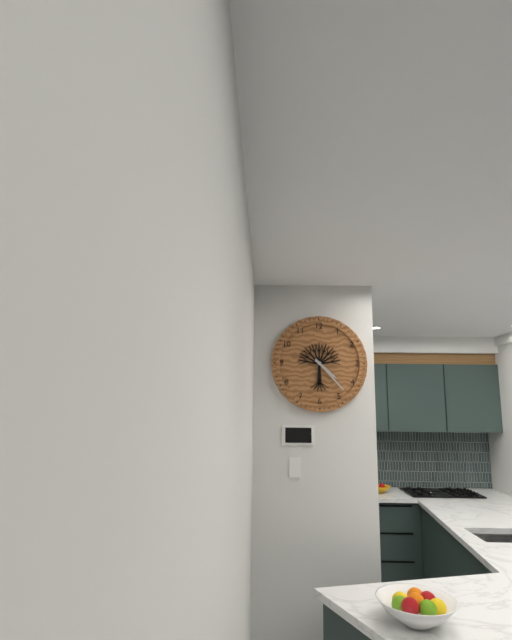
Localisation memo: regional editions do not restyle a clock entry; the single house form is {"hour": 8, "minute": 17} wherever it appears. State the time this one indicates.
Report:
{"hour": 4, "minute": 23}
